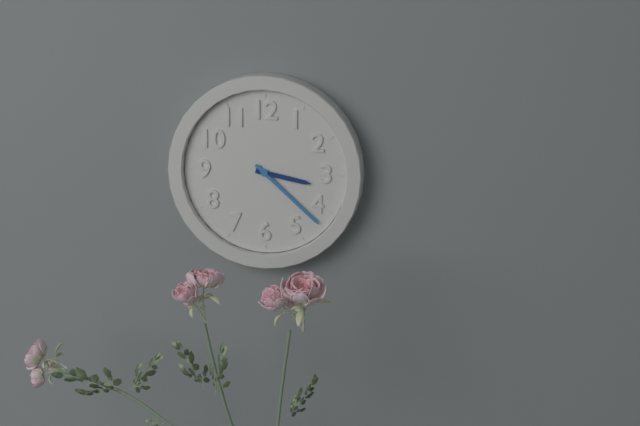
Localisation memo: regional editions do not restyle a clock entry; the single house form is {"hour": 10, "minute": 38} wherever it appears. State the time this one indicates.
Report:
{"hour": 3, "minute": 22}
